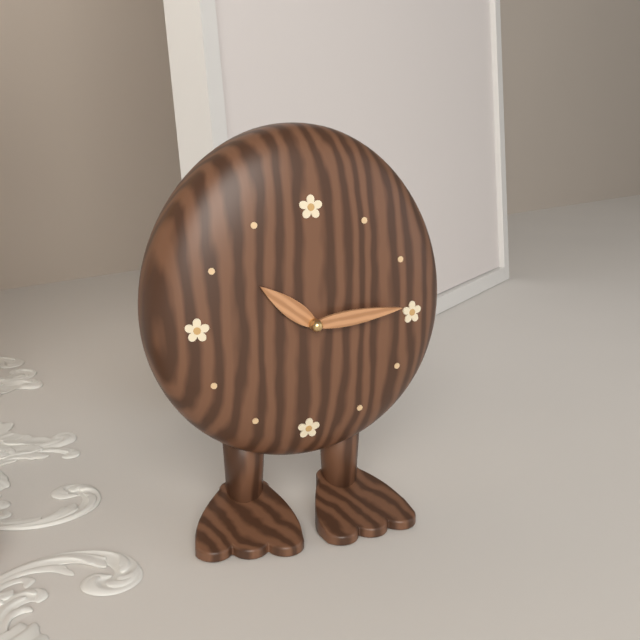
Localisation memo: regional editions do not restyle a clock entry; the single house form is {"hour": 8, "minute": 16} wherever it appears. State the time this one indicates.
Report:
{"hour": 10, "minute": 14}
